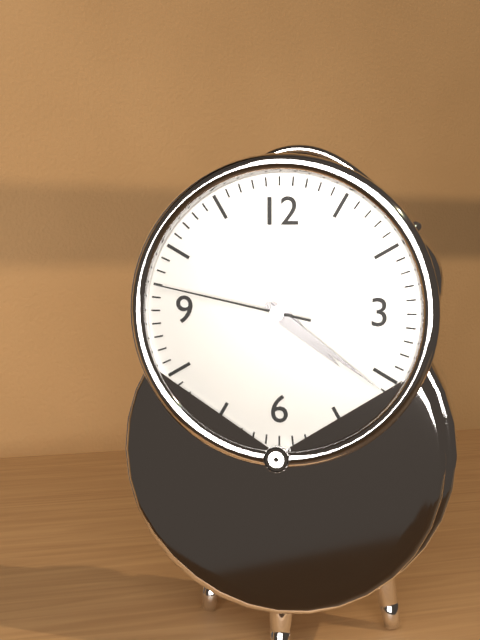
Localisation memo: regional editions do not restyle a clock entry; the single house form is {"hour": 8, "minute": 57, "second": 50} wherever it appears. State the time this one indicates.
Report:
{"hour": 4, "minute": 21, "second": 47}
